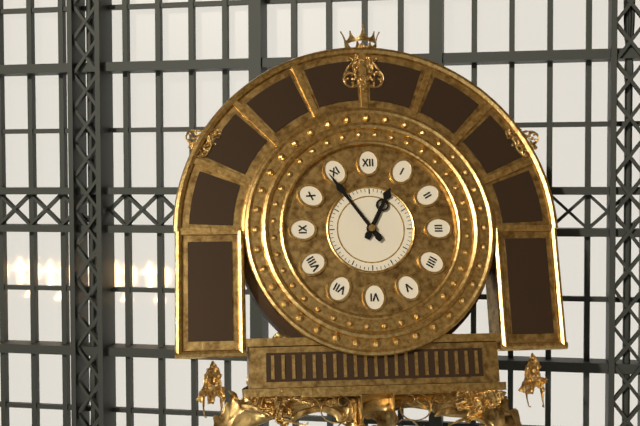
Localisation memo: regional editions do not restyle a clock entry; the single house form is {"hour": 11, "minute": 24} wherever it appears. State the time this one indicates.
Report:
{"hour": 12, "minute": 54}
